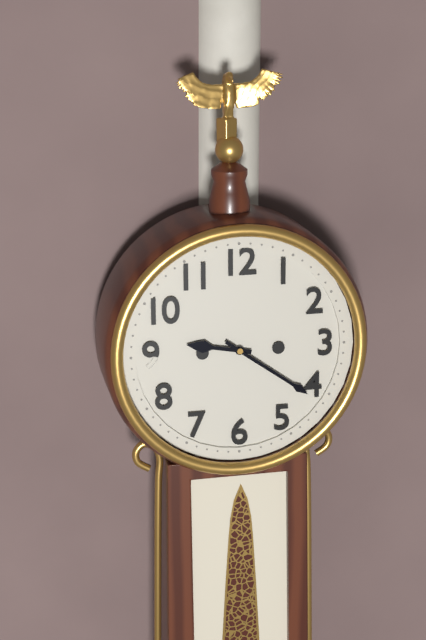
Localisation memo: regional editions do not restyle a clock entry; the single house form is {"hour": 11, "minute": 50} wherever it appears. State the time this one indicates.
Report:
{"hour": 9, "minute": 21}
